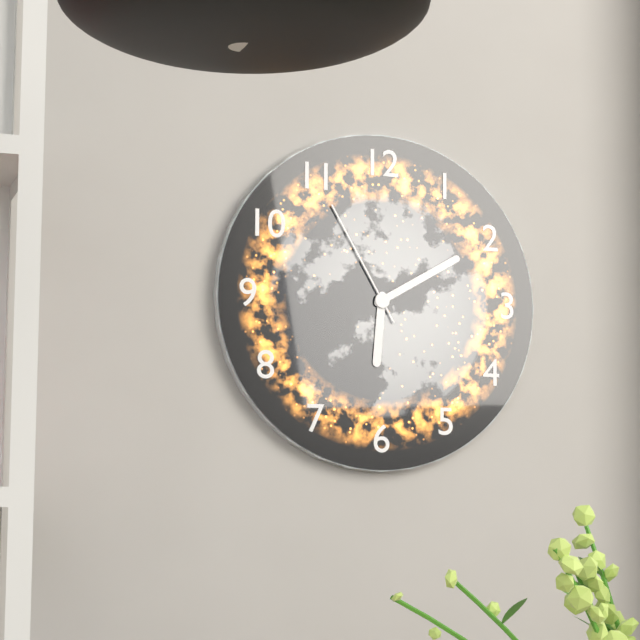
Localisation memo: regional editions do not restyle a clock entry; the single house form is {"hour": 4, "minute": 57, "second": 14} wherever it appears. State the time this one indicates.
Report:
{"hour": 6, "minute": 10, "second": 55}
